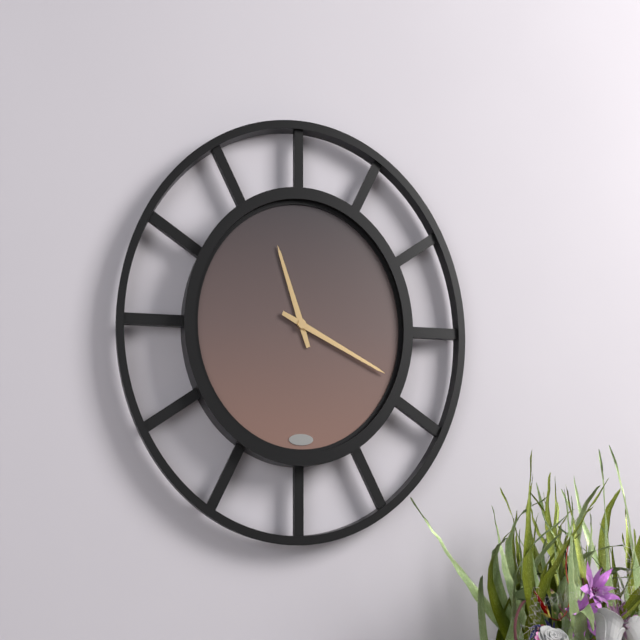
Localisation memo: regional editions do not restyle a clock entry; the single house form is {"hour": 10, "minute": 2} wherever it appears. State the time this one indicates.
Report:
{"hour": 11, "minute": 19}
